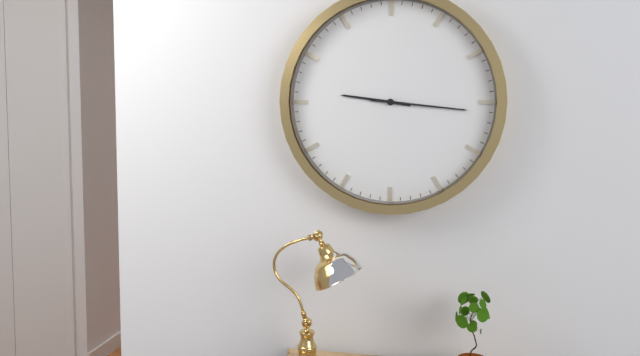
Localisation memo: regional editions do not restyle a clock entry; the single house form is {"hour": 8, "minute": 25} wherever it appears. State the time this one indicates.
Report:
{"hour": 9, "minute": 16}
